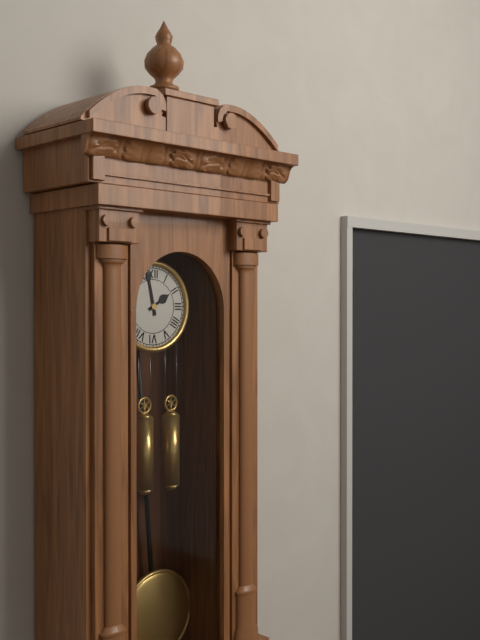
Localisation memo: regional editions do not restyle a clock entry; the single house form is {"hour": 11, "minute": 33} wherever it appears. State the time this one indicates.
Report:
{"hour": 1, "minute": 58}
